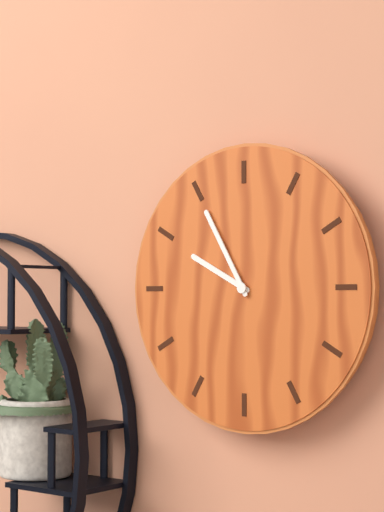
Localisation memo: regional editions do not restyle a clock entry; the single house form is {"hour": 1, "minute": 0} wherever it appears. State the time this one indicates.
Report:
{"hour": 9, "minute": 55}
